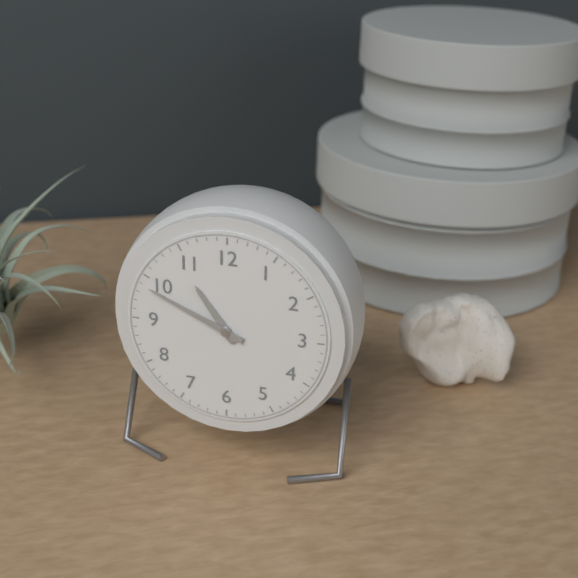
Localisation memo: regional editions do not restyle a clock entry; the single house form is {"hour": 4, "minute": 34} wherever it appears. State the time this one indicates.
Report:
{"hour": 10, "minute": 49}
